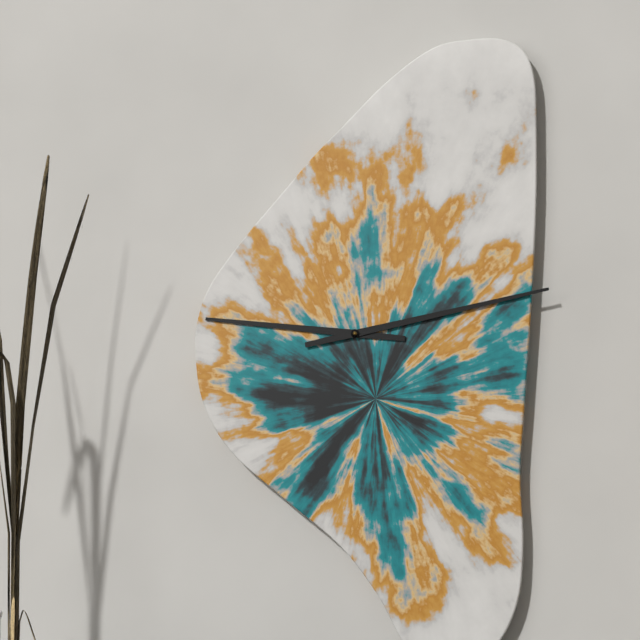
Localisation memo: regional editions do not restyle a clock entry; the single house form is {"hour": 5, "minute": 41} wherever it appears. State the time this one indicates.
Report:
{"hour": 9, "minute": 13}
